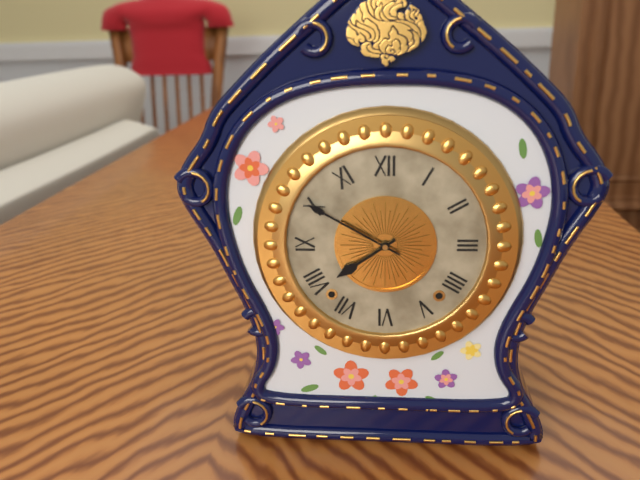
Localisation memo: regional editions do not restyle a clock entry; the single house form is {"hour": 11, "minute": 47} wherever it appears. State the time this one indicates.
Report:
{"hour": 7, "minute": 50}
